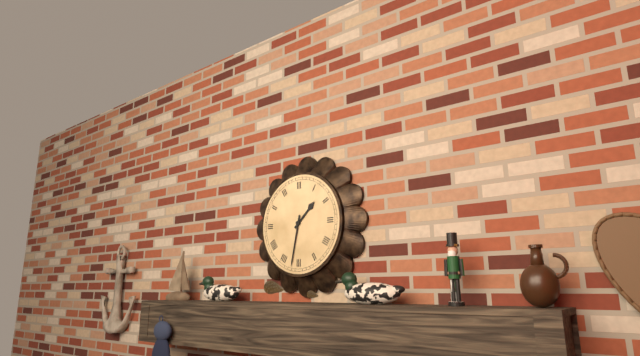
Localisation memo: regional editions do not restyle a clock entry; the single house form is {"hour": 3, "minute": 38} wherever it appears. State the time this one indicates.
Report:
{"hour": 1, "minute": 32}
